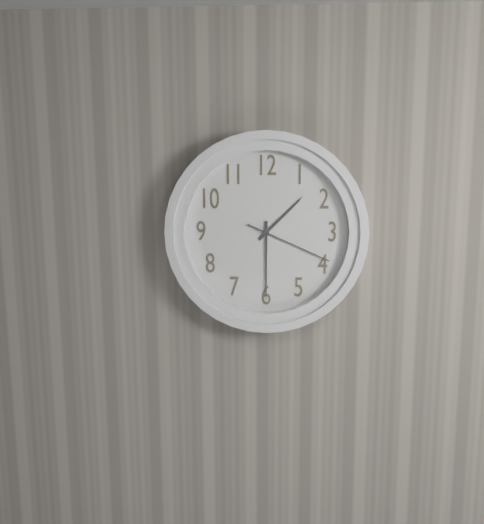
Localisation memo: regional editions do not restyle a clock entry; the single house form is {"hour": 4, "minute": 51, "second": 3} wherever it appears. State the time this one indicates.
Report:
{"hour": 1, "minute": 30, "second": 19}
